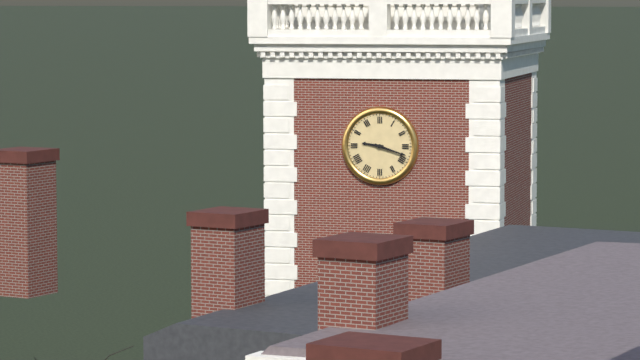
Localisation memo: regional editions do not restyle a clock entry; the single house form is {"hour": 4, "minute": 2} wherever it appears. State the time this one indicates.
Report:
{"hour": 9, "minute": 18}
